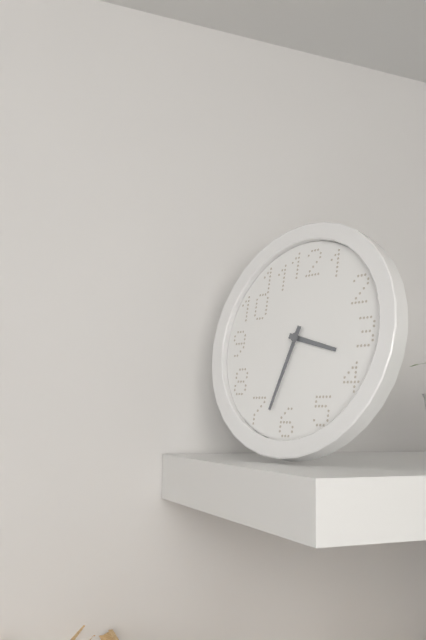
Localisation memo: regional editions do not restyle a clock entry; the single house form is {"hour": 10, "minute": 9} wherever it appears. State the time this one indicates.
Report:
{"hour": 3, "minute": 33}
